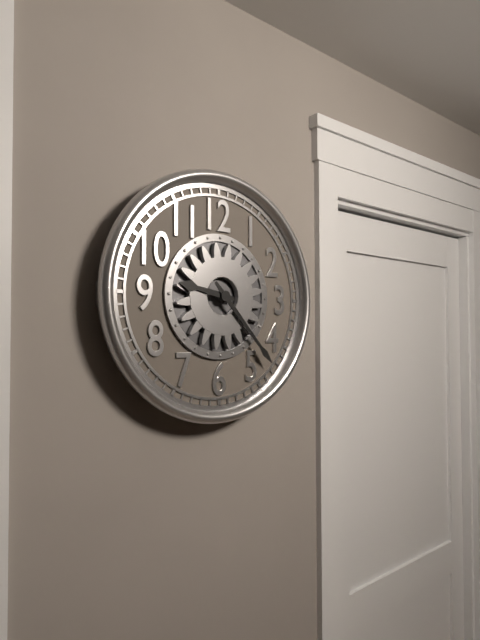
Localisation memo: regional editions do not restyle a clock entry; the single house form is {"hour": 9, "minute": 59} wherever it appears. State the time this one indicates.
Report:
{"hour": 9, "minute": 23}
